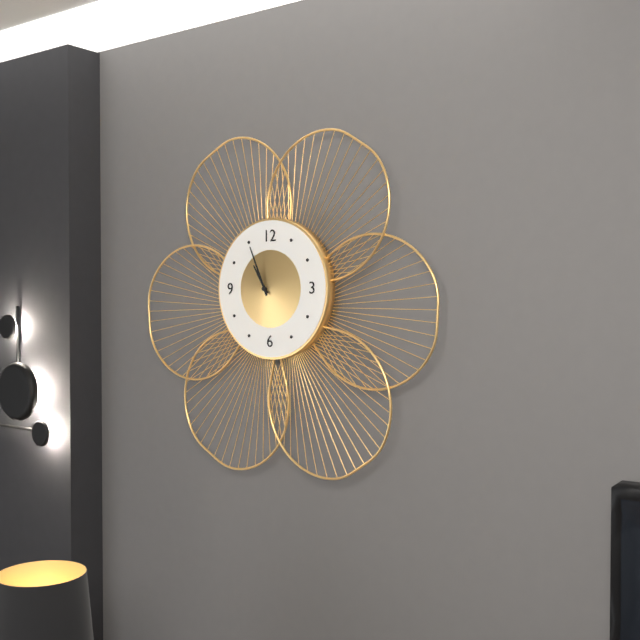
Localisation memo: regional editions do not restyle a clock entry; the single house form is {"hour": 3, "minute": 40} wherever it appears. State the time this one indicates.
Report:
{"hour": 10, "minute": 56}
